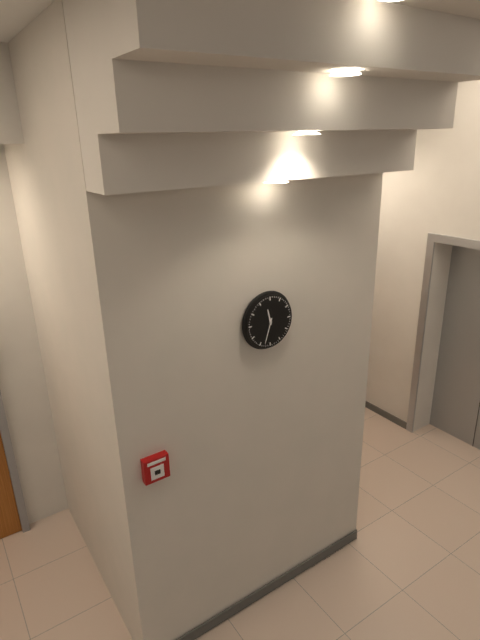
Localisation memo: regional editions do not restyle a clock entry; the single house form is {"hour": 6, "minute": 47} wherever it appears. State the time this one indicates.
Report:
{"hour": 11, "minute": 33}
